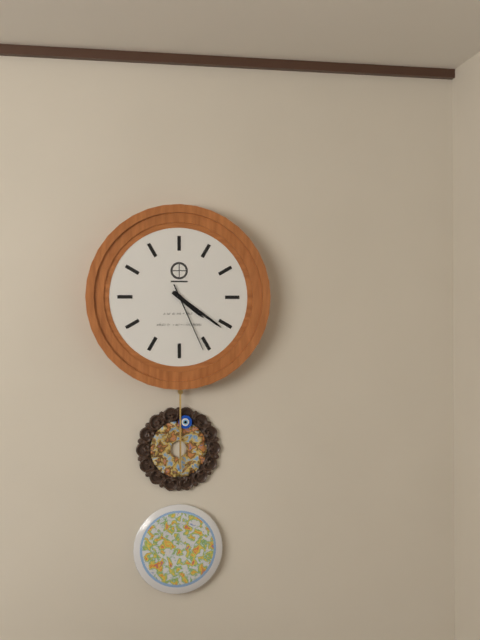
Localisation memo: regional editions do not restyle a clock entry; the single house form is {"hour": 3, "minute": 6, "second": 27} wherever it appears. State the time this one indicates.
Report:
{"hour": 4, "minute": 21, "second": 26}
